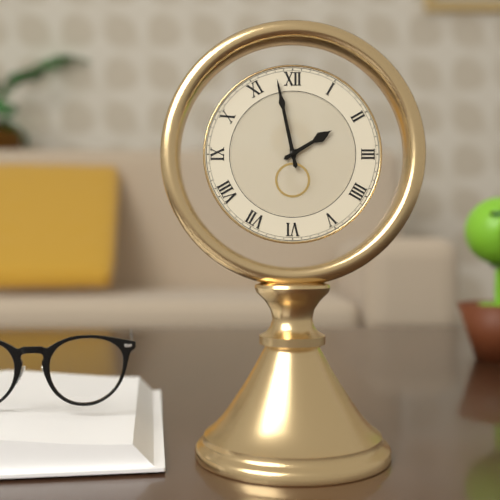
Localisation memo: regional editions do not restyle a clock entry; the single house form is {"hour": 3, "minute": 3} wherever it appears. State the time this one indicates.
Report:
{"hour": 1, "minute": 58}
